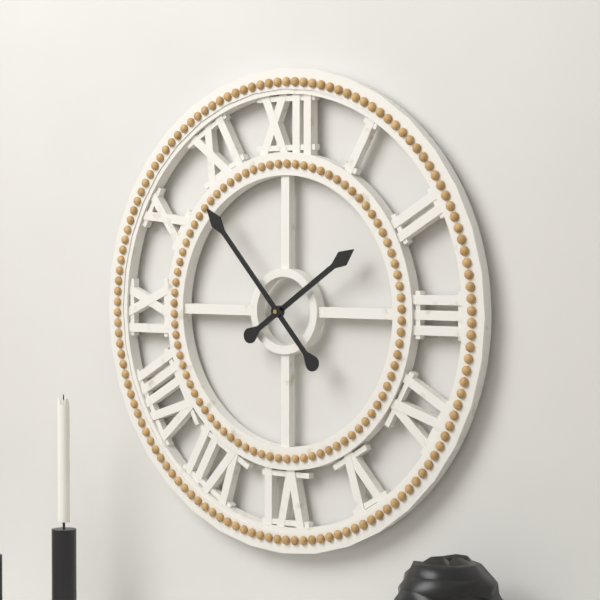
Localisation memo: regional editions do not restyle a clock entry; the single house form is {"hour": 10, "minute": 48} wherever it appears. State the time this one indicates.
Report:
{"hour": 1, "minute": 53}
